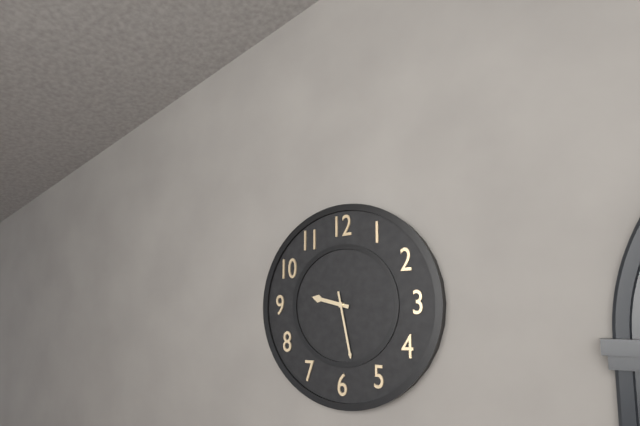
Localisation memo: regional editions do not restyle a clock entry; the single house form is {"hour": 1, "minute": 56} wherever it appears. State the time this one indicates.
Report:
{"hour": 9, "minute": 28}
